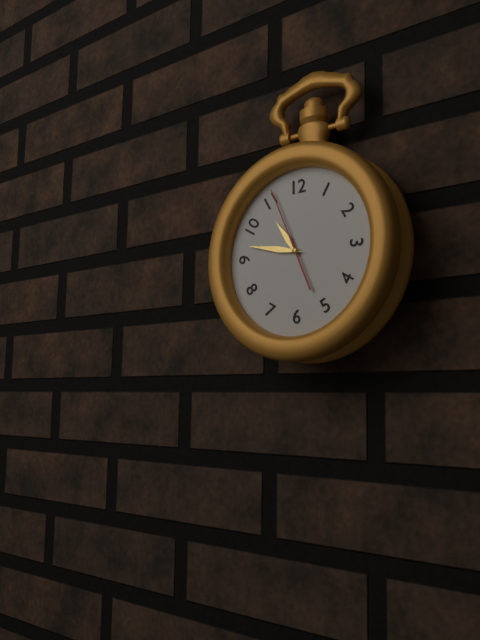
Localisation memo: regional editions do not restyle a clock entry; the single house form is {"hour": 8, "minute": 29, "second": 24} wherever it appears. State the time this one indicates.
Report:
{"hour": 10, "minute": 47, "second": 56}
